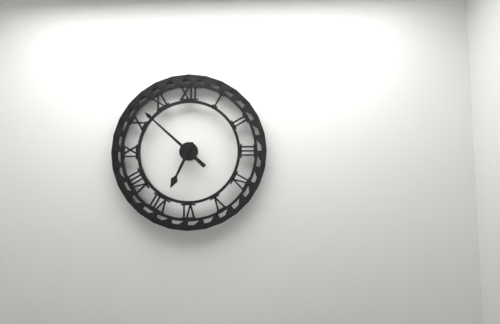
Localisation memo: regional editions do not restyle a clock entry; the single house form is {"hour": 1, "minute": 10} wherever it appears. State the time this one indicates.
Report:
{"hour": 6, "minute": 52}
